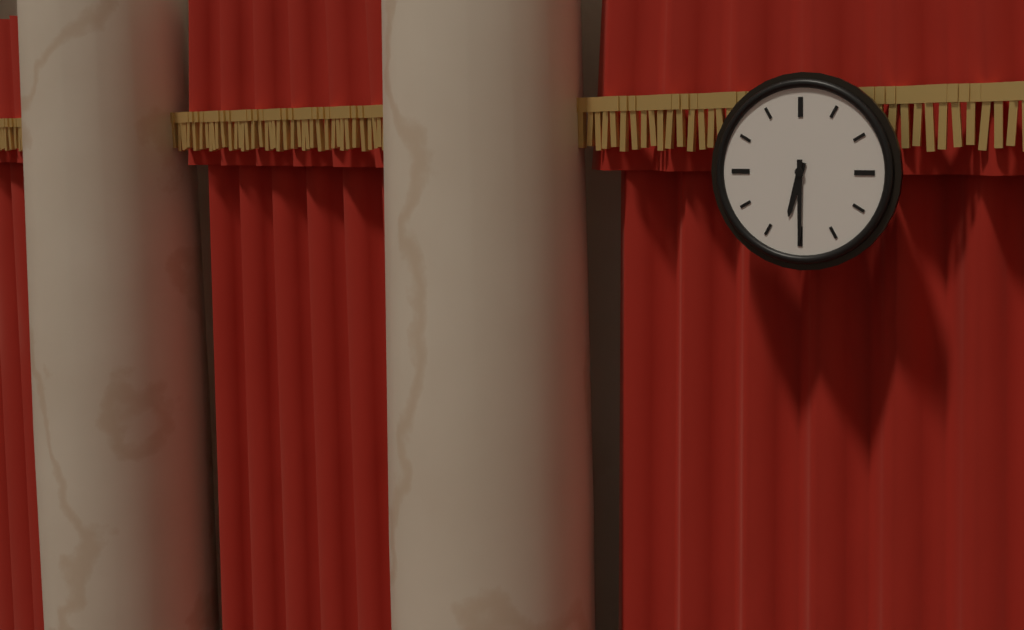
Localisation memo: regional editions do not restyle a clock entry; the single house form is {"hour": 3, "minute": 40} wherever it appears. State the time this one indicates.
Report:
{"hour": 6, "minute": 30}
